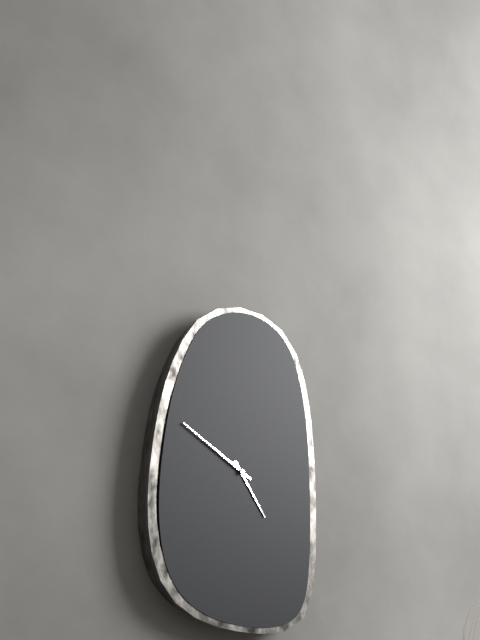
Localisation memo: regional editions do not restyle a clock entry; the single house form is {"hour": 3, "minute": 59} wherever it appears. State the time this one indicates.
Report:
{"hour": 4, "minute": 50}
